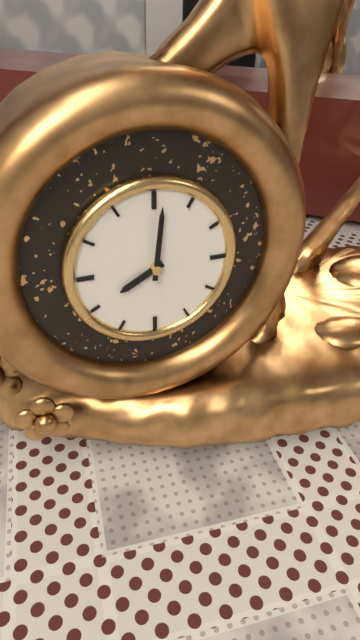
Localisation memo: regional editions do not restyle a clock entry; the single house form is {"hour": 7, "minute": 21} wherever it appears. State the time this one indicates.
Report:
{"hour": 8, "minute": 1}
